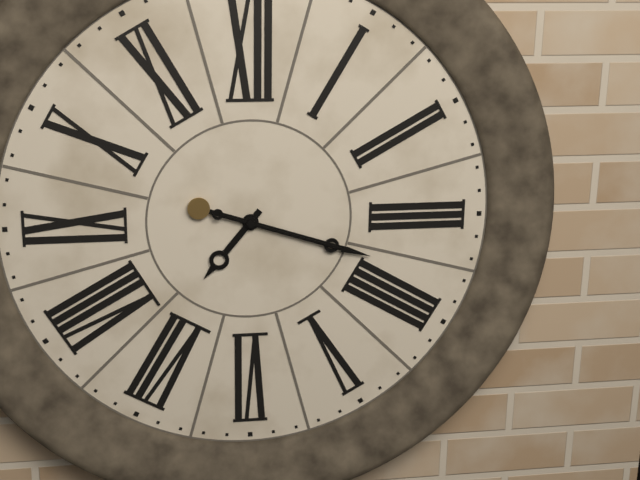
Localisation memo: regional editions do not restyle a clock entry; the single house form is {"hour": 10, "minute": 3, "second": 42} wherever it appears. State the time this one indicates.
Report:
{"hour": 7, "minute": 18, "second": 18}
